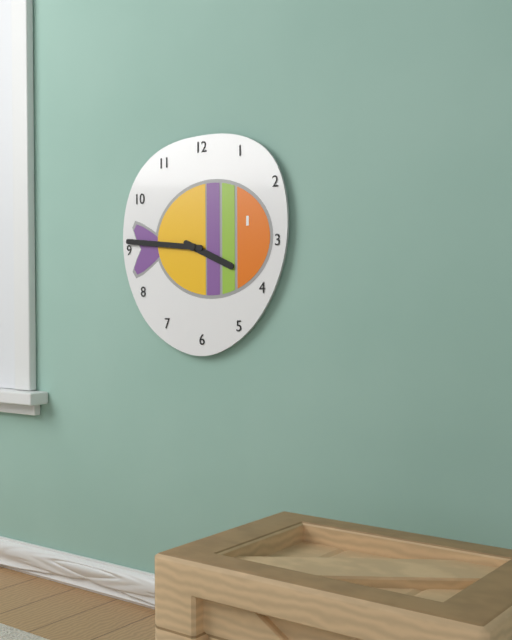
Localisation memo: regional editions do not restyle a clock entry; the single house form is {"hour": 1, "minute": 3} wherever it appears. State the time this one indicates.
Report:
{"hour": 3, "minute": 46}
